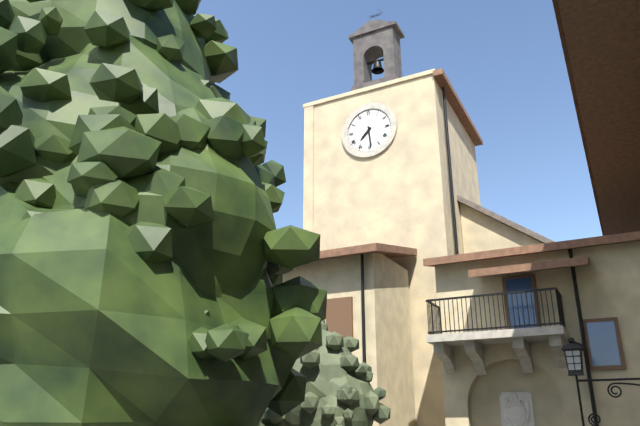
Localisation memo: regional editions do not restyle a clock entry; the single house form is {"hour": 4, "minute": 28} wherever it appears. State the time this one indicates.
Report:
{"hour": 7, "minute": 29}
